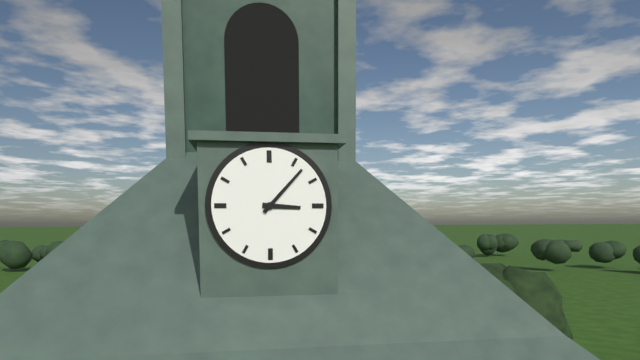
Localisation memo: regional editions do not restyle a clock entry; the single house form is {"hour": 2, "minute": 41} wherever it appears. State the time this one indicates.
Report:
{"hour": 3, "minute": 7}
